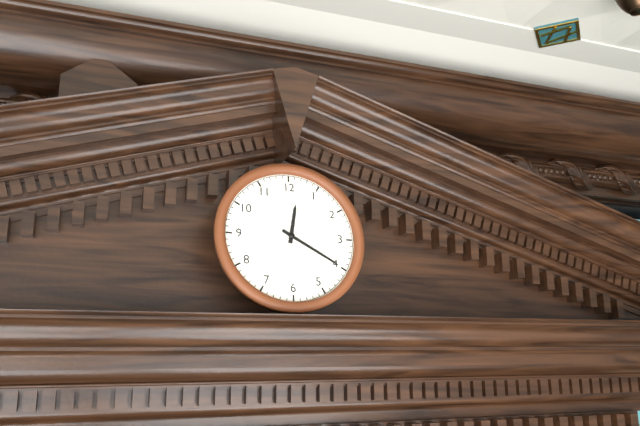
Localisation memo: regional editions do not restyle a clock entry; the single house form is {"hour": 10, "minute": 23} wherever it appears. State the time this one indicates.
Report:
{"hour": 12, "minute": 20}
